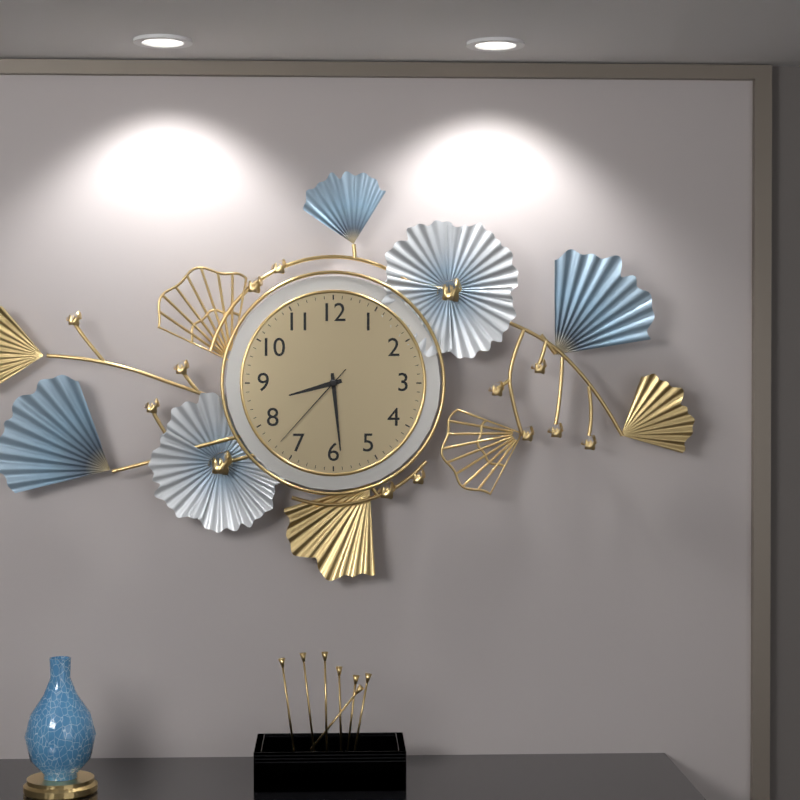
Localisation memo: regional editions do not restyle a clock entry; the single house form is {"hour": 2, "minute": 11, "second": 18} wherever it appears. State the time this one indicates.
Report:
{"hour": 8, "minute": 29, "second": 37}
